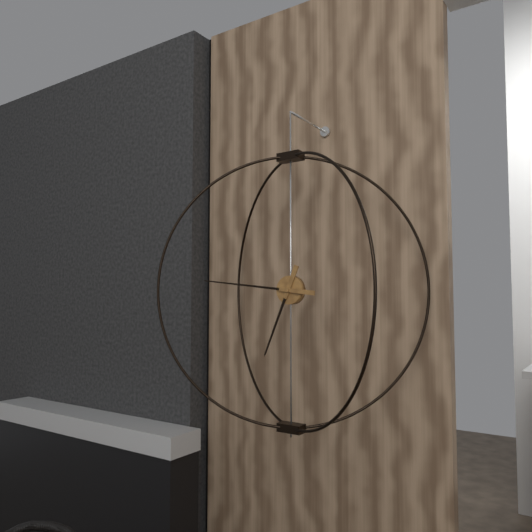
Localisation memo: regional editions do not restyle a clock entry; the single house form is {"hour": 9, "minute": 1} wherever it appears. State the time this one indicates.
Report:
{"hour": 6, "minute": 46}
